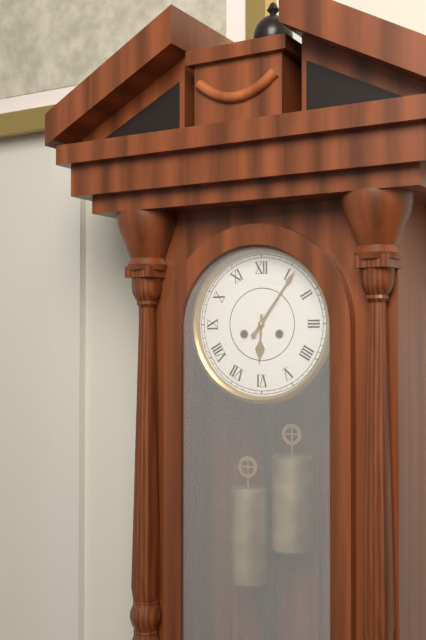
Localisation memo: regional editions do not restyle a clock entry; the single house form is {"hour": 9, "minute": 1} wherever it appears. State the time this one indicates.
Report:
{"hour": 6, "minute": 6}
